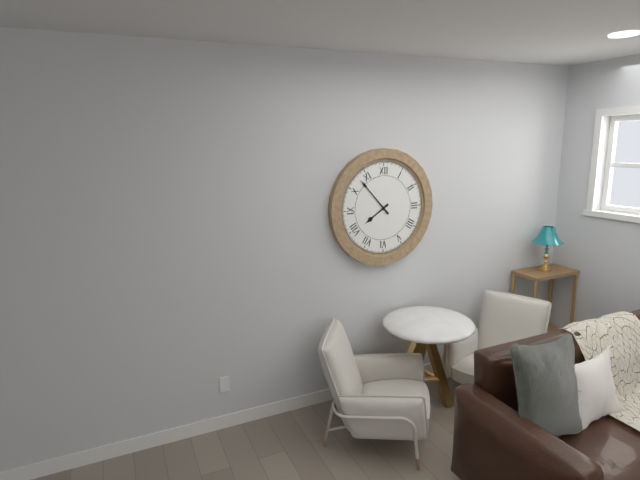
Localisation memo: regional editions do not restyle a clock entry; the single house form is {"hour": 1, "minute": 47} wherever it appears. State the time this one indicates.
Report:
{"hour": 7, "minute": 53}
